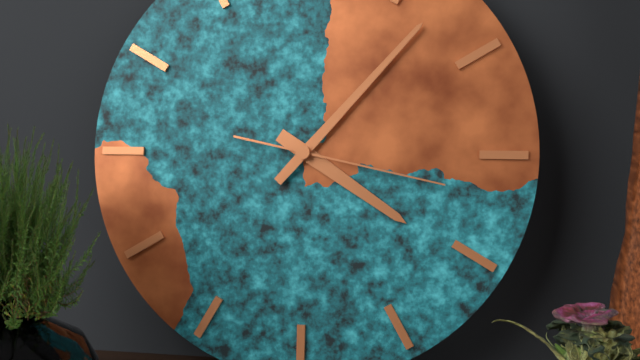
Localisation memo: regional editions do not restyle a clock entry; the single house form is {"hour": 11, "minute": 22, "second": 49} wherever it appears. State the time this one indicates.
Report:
{"hour": 4, "minute": 7, "second": 17}
